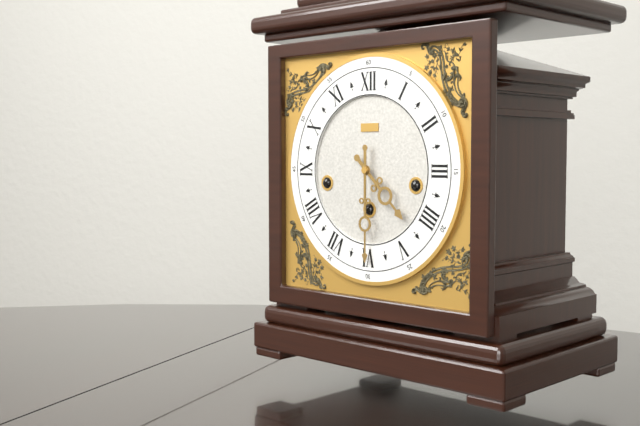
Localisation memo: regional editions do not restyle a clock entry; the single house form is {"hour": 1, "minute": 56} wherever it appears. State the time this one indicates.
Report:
{"hour": 4, "minute": 30}
